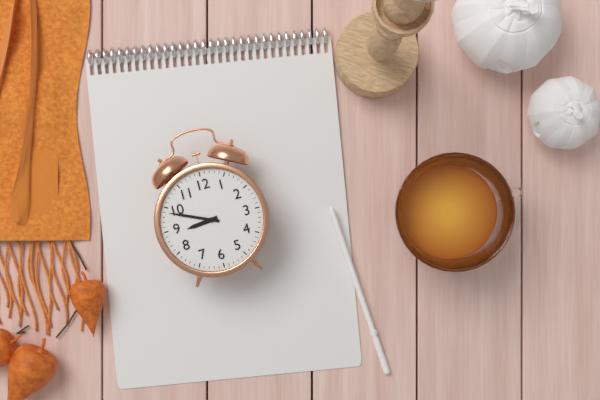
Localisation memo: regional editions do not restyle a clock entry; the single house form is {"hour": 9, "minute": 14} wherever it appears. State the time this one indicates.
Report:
{"hour": 8, "minute": 49}
